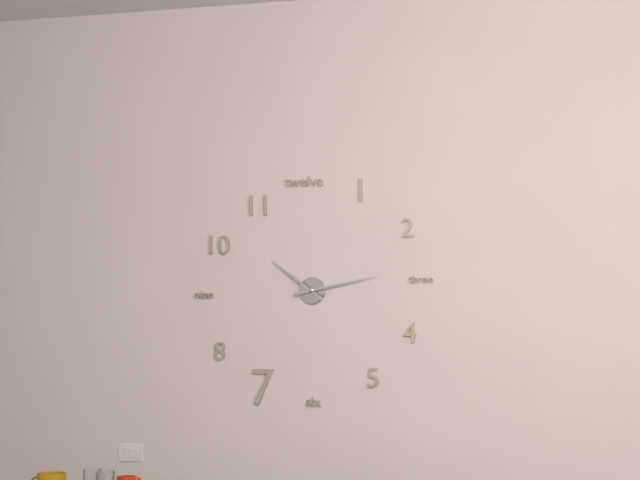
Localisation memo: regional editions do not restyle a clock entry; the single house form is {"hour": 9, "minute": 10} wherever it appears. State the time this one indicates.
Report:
{"hour": 10, "minute": 13}
